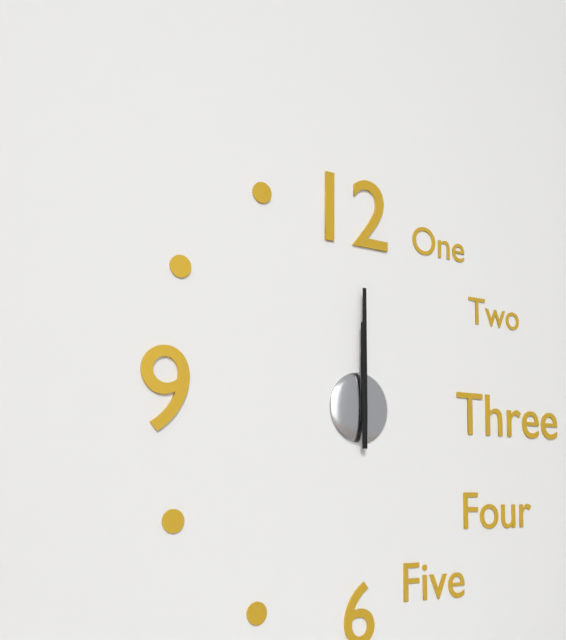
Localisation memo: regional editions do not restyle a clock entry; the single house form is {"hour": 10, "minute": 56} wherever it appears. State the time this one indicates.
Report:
{"hour": 12, "minute": 0}
